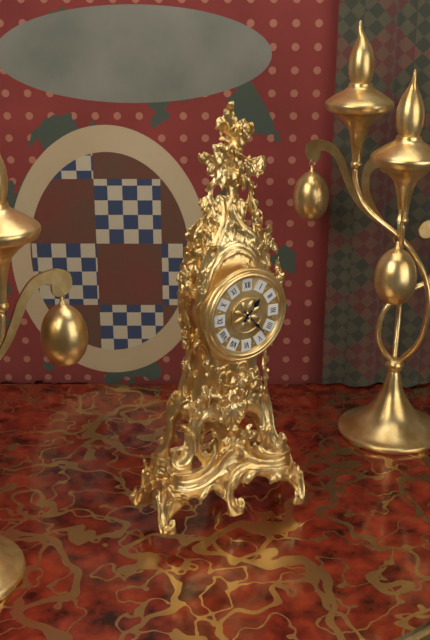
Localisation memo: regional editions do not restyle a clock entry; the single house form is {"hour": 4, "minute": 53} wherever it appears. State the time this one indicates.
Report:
{"hour": 1, "minute": 23}
